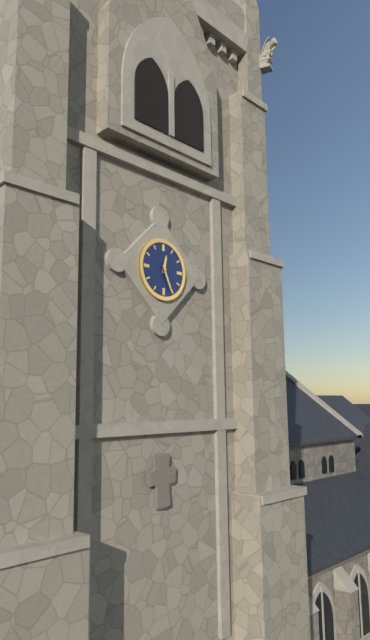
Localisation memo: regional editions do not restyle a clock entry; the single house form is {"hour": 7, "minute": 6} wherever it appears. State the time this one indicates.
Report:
{"hour": 12, "minute": 26}
